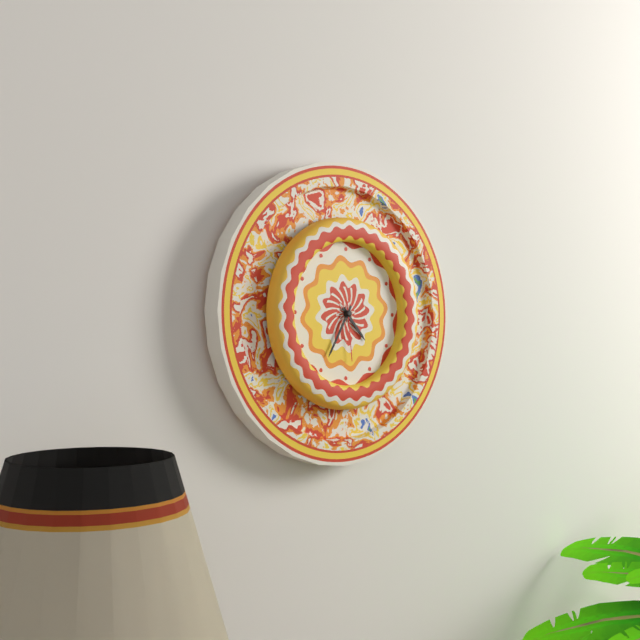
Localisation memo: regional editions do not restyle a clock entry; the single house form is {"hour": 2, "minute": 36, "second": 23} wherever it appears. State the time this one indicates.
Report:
{"hour": 4, "minute": 35, "second": 29}
